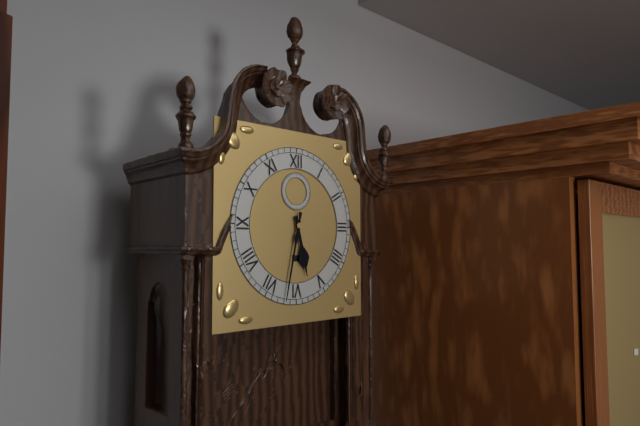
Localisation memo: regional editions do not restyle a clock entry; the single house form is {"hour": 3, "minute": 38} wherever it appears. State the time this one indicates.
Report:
{"hour": 5, "minute": 32}
